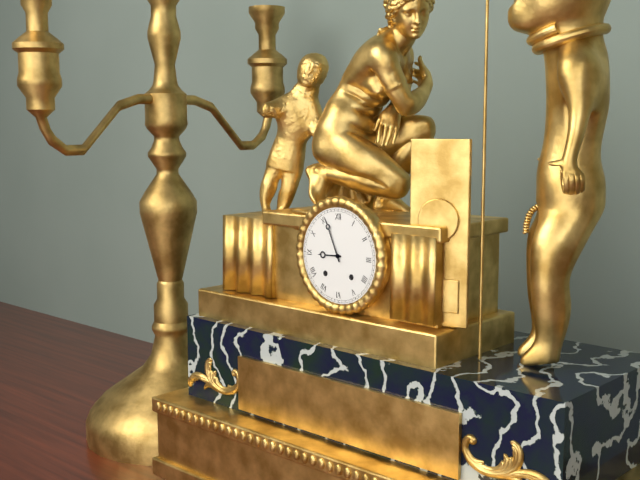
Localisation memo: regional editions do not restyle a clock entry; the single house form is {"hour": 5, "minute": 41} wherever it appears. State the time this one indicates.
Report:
{"hour": 8, "minute": 56}
